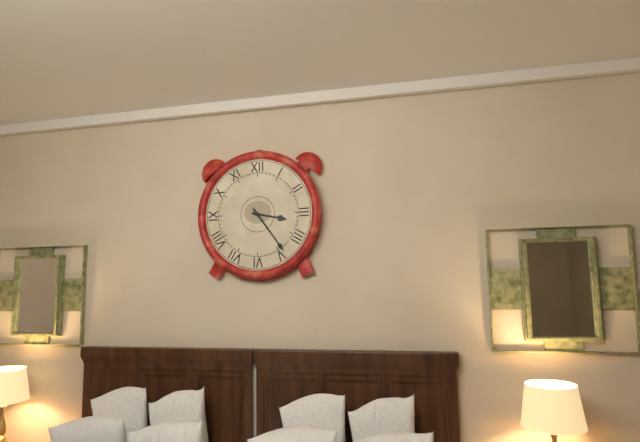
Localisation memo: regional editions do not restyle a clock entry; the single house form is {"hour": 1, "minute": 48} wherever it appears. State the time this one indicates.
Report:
{"hour": 3, "minute": 24}
